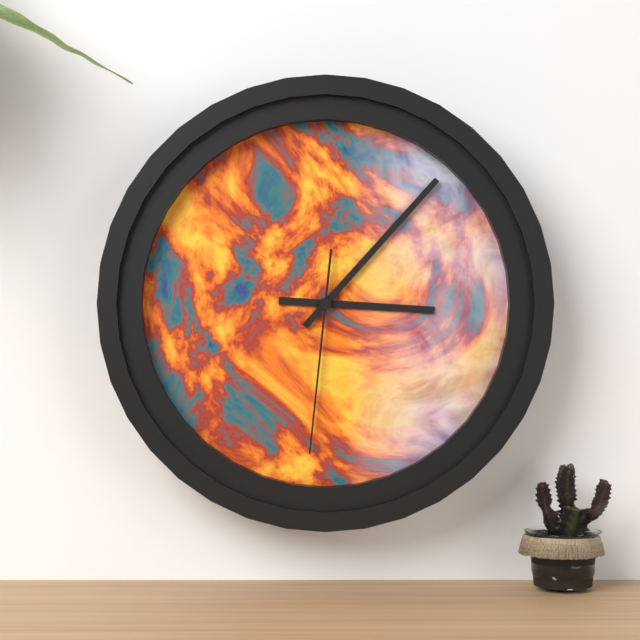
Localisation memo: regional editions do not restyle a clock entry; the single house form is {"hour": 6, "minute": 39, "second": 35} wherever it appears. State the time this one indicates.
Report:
{"hour": 3, "minute": 7, "second": 31}
